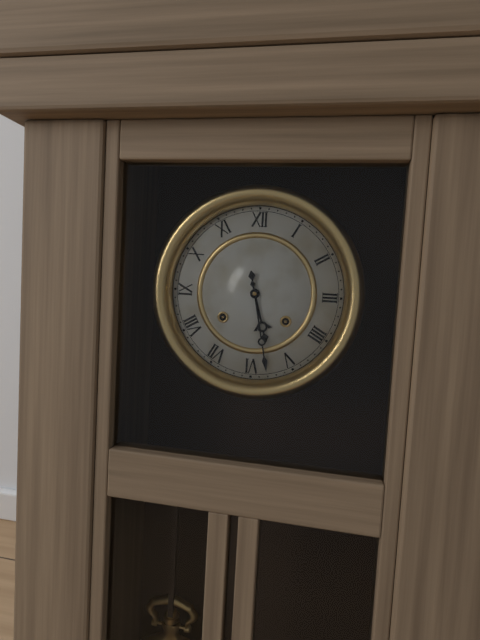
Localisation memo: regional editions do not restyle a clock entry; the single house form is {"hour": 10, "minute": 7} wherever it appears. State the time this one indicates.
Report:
{"hour": 5, "minute": 28}
